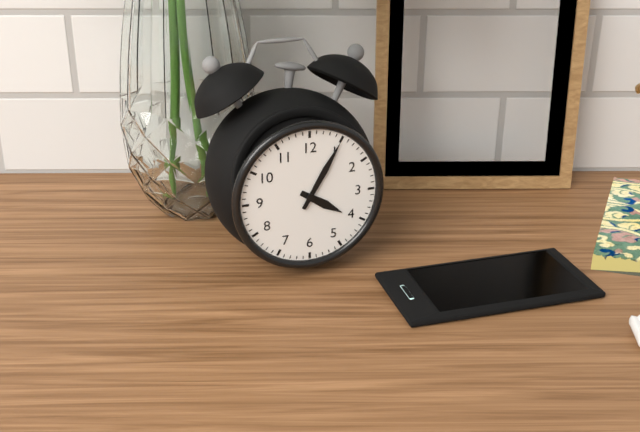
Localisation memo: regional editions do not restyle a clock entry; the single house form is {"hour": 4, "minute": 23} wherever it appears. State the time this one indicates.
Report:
{"hour": 4, "minute": 5}
